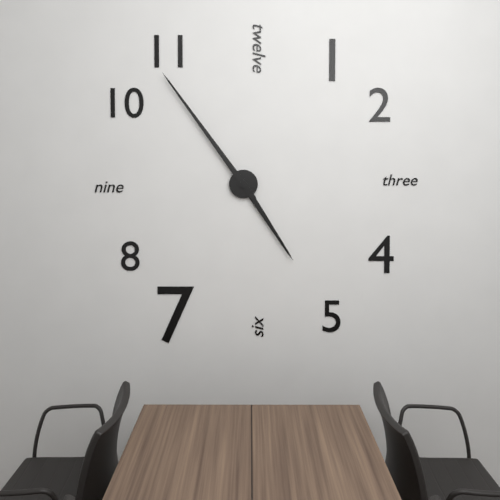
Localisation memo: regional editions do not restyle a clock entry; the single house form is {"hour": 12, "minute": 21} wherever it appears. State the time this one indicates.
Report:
{"hour": 4, "minute": 54}
